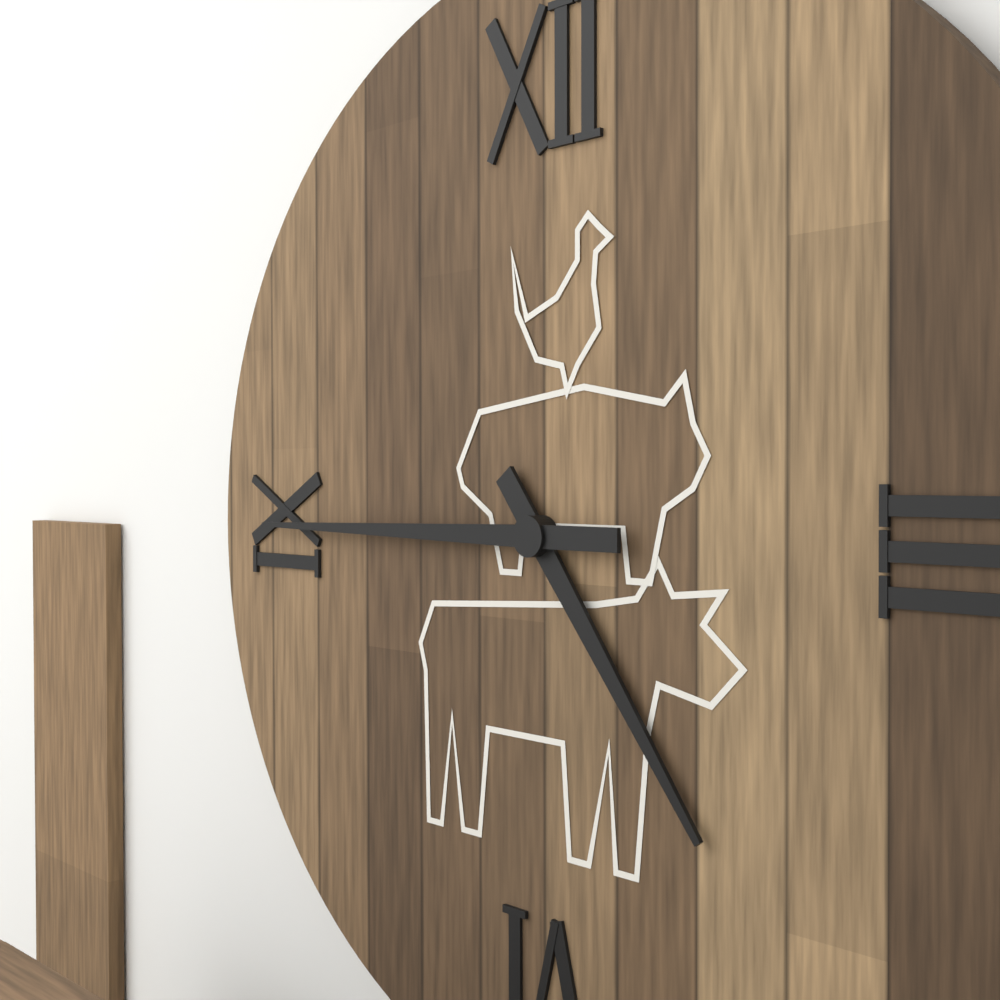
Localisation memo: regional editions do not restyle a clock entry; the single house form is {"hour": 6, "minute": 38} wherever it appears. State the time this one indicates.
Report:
{"hour": 4, "minute": 45}
